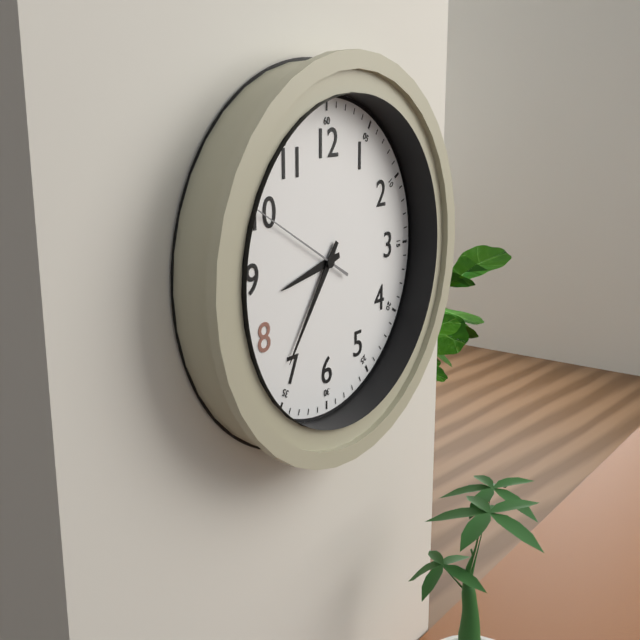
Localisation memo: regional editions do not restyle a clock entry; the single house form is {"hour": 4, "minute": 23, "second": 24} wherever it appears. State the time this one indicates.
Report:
{"hour": 8, "minute": 36, "second": 50}
